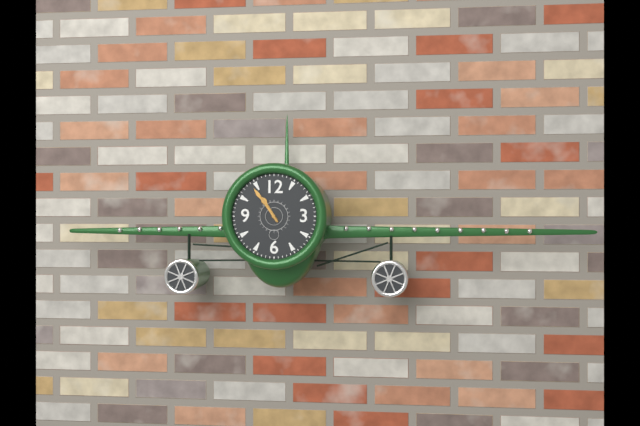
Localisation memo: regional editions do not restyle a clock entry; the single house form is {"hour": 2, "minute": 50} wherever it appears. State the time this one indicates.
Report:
{"hour": 10, "minute": 54}
